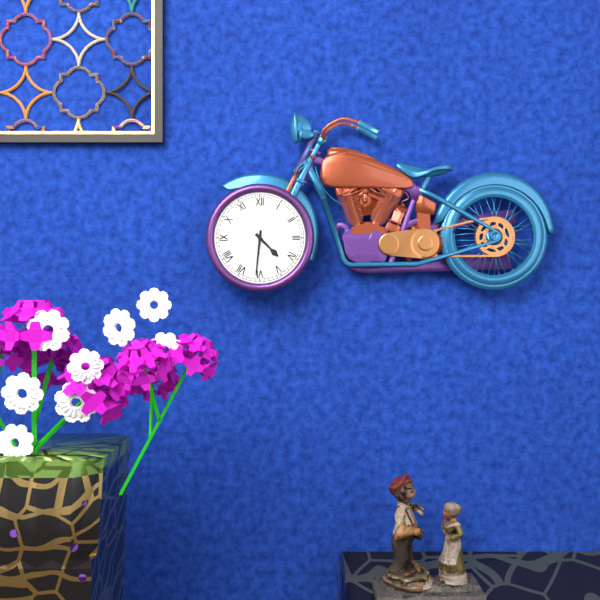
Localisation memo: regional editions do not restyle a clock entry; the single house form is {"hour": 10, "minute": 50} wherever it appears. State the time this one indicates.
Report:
{"hour": 4, "minute": 31}
